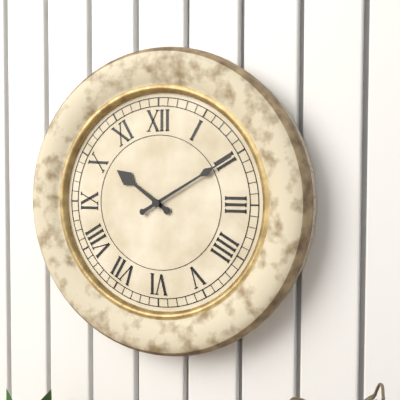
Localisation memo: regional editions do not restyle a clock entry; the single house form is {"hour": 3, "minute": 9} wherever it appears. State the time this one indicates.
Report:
{"hour": 10, "minute": 10}
